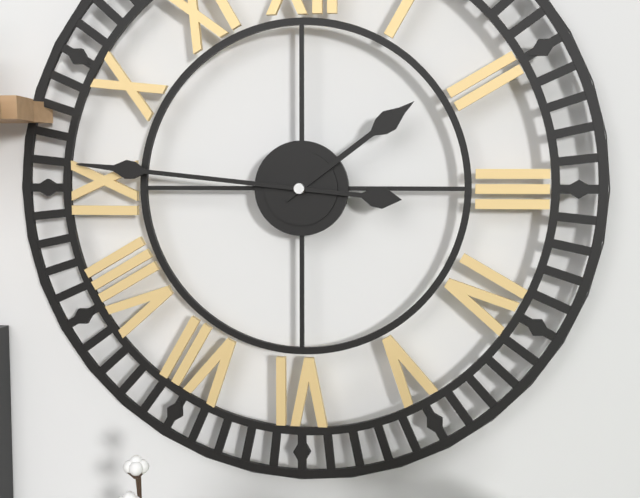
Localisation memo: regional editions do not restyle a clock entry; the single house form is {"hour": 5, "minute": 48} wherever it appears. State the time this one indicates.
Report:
{"hour": 1, "minute": 46}
